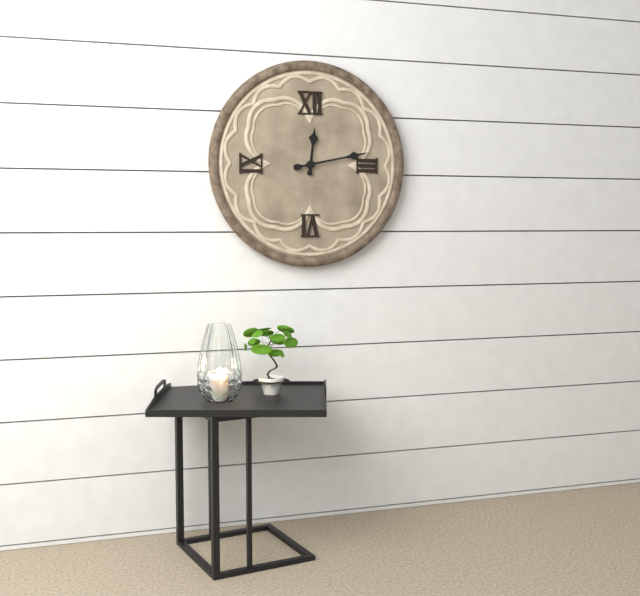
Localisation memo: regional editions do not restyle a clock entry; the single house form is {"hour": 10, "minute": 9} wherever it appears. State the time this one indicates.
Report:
{"hour": 12, "minute": 13}
